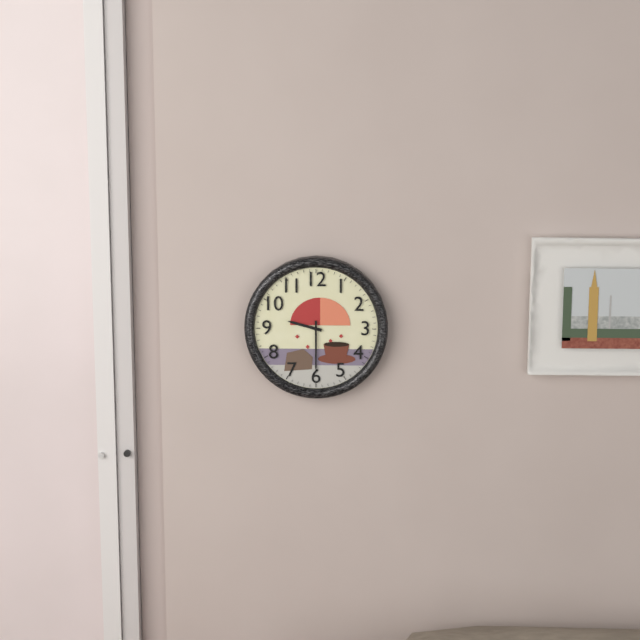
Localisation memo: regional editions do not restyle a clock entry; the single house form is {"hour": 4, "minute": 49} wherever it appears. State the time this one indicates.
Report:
{"hour": 9, "minute": 30}
